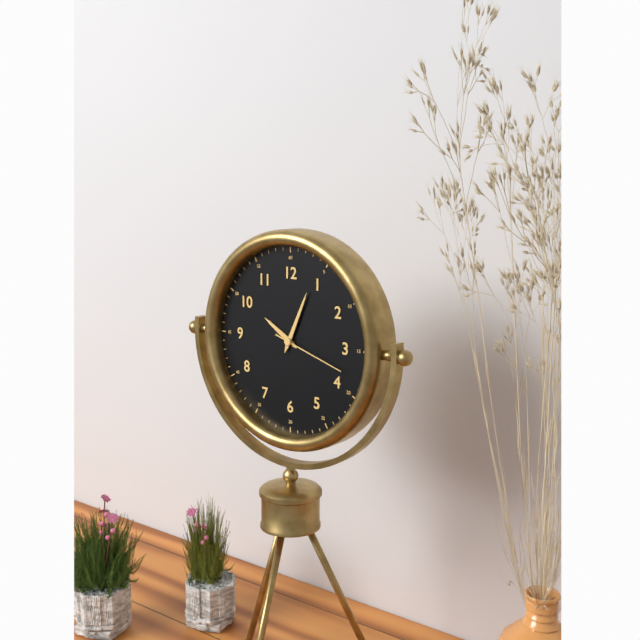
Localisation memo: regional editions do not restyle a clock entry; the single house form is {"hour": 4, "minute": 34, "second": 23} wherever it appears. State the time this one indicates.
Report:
{"hour": 10, "minute": 4, "second": 18}
